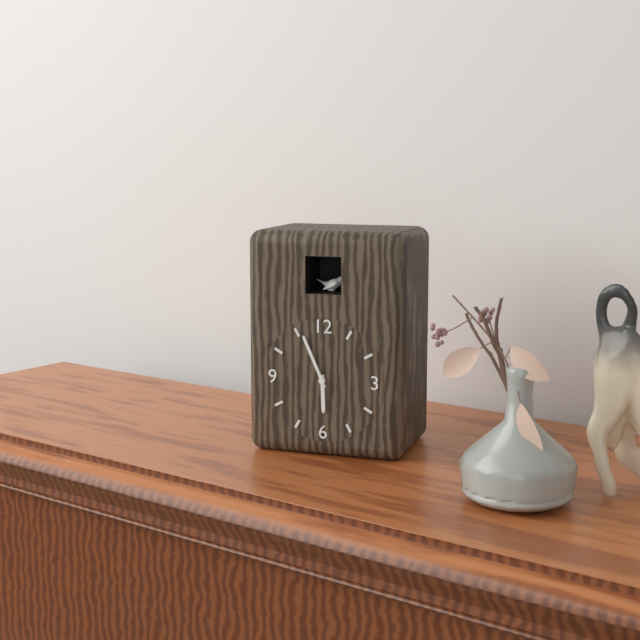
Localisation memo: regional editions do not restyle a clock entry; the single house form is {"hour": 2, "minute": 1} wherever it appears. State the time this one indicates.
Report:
{"hour": 5, "minute": 56}
